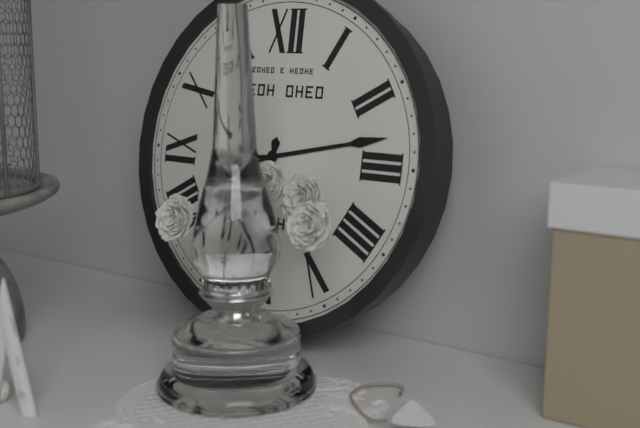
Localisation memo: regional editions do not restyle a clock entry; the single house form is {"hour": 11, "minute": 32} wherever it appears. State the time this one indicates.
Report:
{"hour": 6, "minute": 13}
